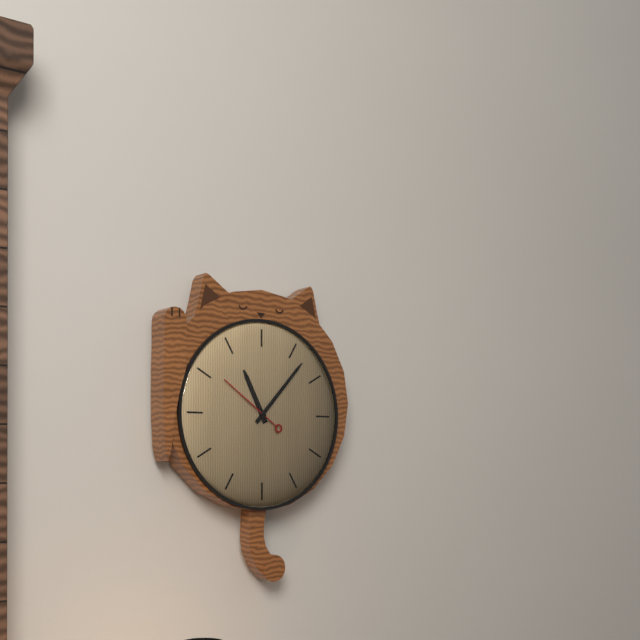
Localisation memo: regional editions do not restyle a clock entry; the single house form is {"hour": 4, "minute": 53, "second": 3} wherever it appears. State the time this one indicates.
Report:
{"hour": 11, "minute": 7, "second": 51}
